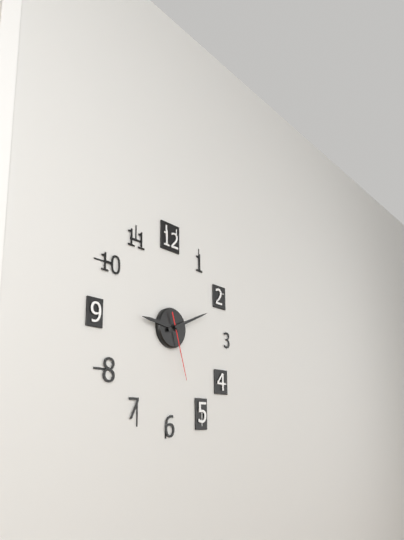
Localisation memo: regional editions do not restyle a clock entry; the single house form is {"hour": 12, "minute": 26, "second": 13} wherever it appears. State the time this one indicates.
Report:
{"hour": 9, "minute": 11, "second": 27}
